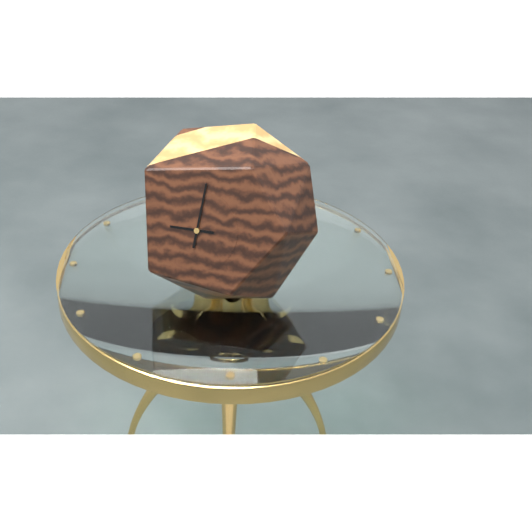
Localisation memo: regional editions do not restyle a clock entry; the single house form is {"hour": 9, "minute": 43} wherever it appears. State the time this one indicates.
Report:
{"hour": 9, "minute": 1}
